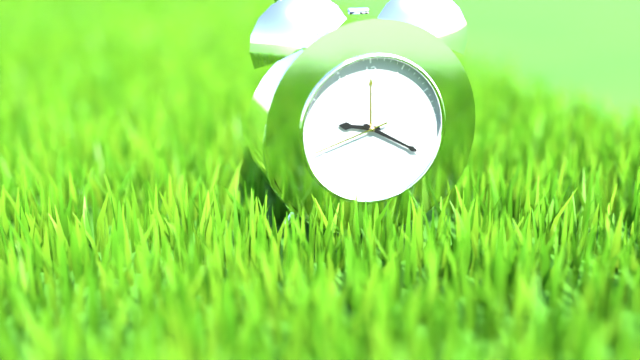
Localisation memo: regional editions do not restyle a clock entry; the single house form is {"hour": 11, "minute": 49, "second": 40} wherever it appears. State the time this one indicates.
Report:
{"hour": 9, "minute": 20, "second": 42}
